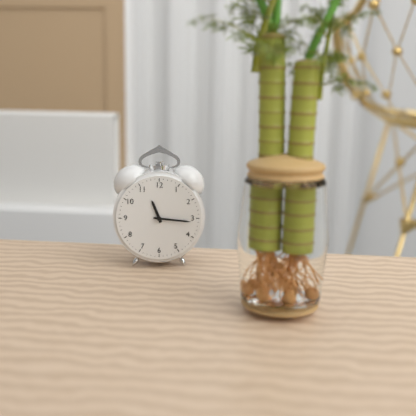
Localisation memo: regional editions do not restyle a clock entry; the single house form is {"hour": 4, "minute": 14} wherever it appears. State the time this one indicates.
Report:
{"hour": 11, "minute": 16}
